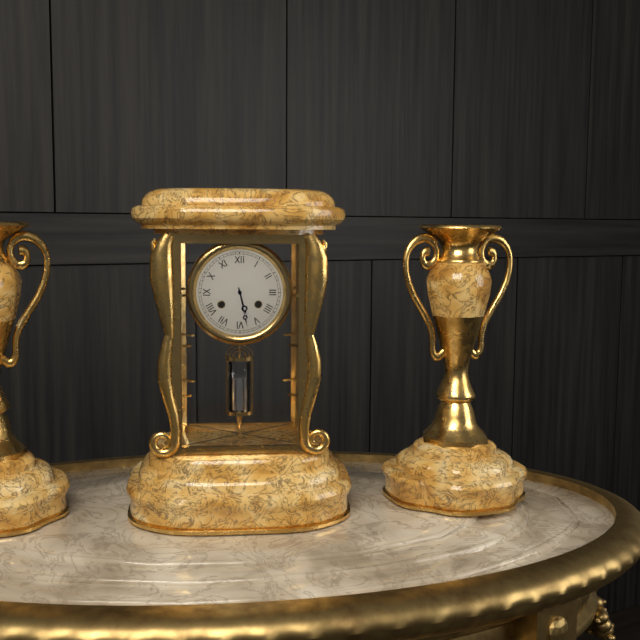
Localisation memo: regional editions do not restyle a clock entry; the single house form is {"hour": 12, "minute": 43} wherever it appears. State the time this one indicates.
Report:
{"hour": 5, "minute": 28}
